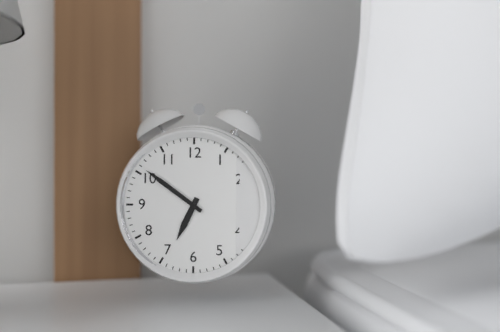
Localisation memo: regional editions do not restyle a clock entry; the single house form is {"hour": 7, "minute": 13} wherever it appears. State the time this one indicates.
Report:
{"hour": 6, "minute": 51}
